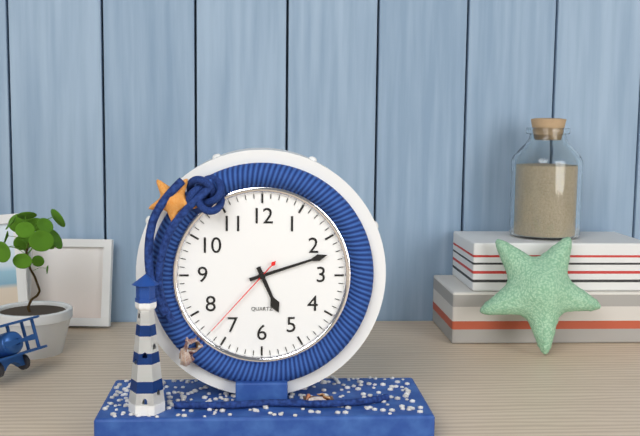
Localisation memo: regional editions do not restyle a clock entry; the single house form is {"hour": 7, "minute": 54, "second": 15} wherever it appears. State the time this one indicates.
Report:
{"hour": 5, "minute": 12, "second": 37}
